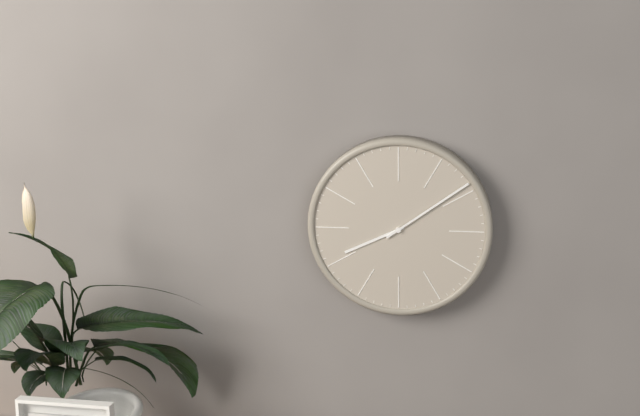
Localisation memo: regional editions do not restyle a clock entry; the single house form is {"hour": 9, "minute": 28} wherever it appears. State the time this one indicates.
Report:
{"hour": 8, "minute": 9}
